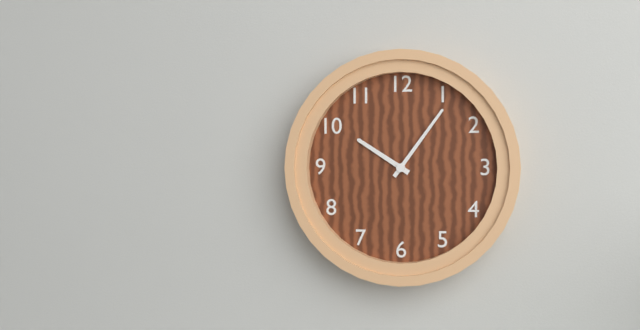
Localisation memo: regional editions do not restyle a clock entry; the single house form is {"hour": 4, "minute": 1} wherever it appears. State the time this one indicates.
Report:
{"hour": 10, "minute": 6}
